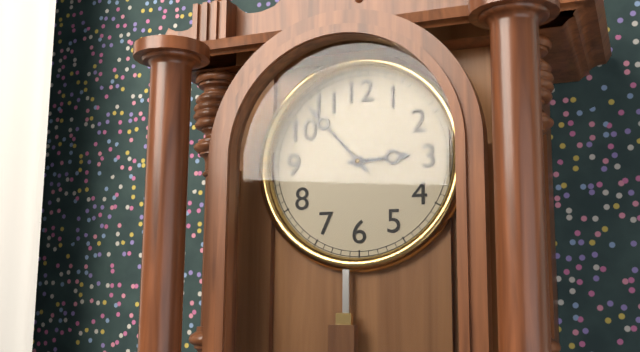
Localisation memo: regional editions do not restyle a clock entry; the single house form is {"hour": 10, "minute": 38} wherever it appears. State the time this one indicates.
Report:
{"hour": 2, "minute": 53}
